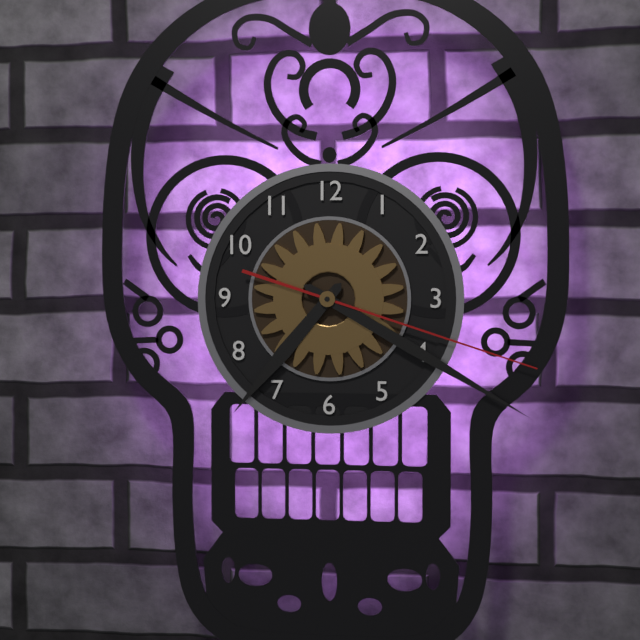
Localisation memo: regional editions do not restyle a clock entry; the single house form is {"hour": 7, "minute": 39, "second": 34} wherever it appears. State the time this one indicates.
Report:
{"hour": 7, "minute": 20, "second": 18}
